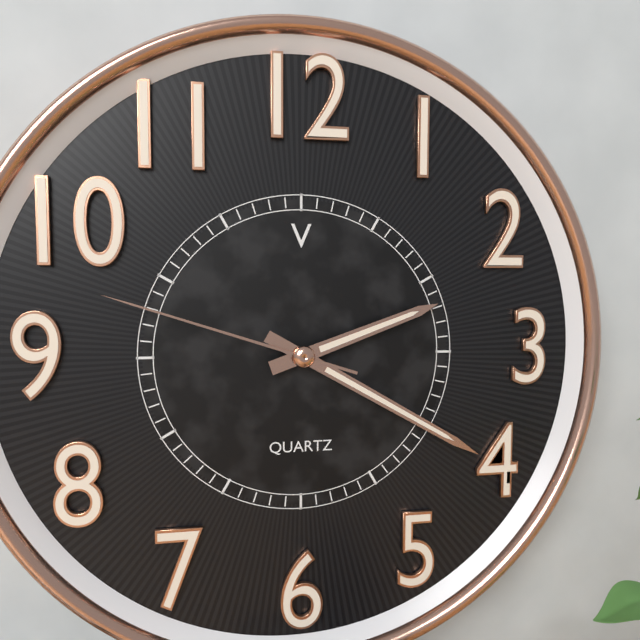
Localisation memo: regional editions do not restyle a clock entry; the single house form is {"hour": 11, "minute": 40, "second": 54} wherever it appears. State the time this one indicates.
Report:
{"hour": 2, "minute": 20, "second": 48}
